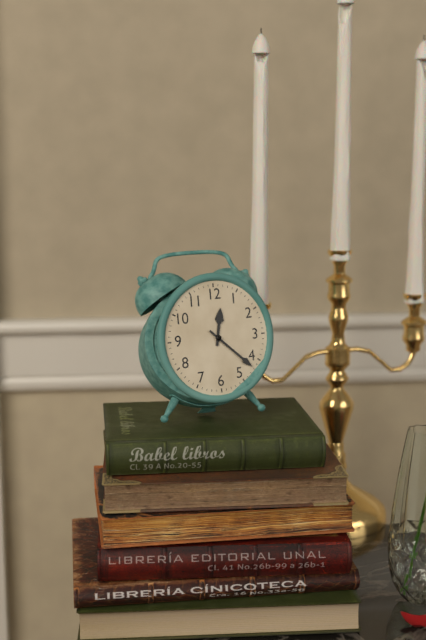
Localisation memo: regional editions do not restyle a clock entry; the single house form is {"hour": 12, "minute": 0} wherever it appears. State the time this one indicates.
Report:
{"hour": 12, "minute": 22}
